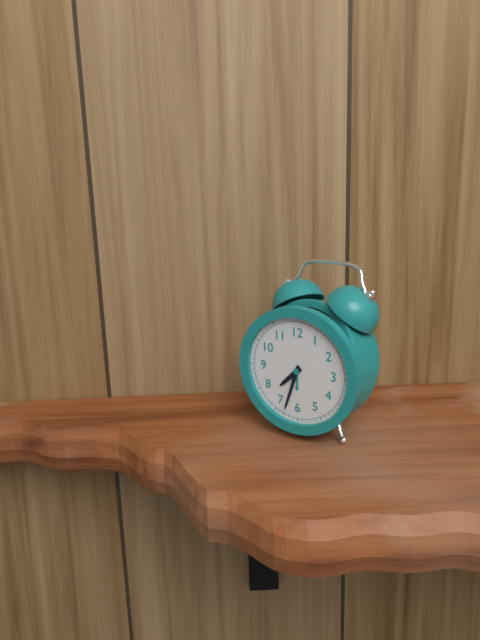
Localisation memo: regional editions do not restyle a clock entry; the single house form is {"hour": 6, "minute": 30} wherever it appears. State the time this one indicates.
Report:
{"hour": 7, "minute": 33}
